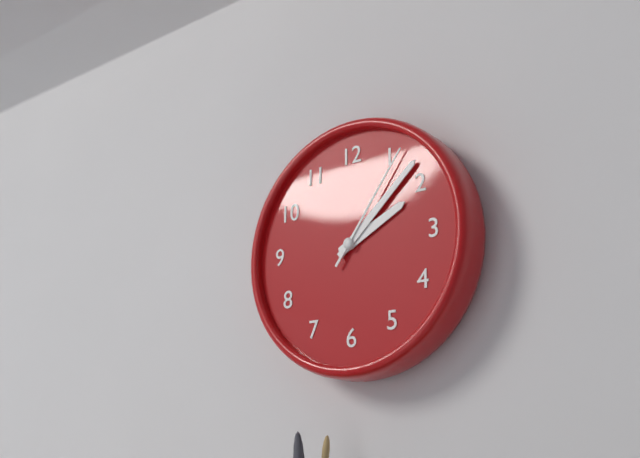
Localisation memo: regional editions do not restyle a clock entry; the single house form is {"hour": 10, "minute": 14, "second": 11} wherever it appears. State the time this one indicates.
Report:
{"hour": 2, "minute": 8, "second": 6}
